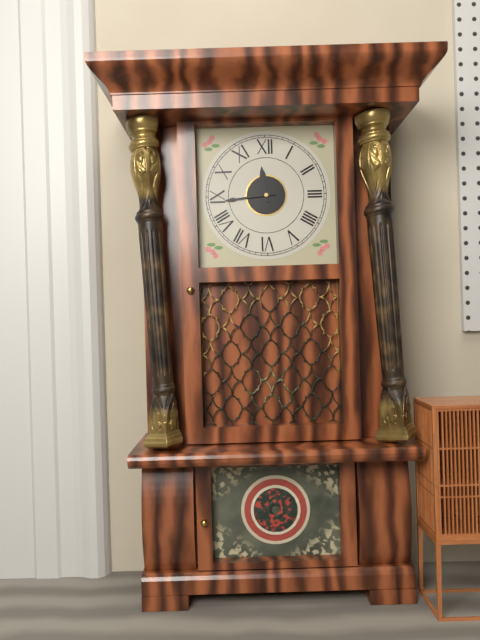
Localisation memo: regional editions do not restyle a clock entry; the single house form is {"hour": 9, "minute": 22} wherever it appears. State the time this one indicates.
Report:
{"hour": 11, "minute": 44}
